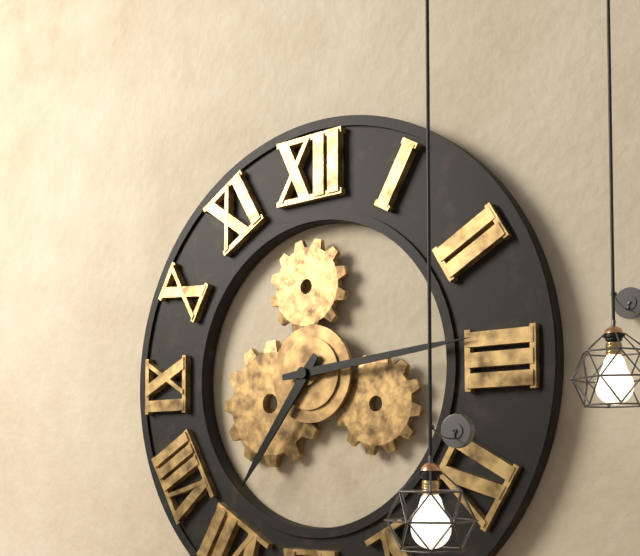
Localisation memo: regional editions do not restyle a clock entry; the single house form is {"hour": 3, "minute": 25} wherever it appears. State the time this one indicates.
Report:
{"hour": 7, "minute": 14}
